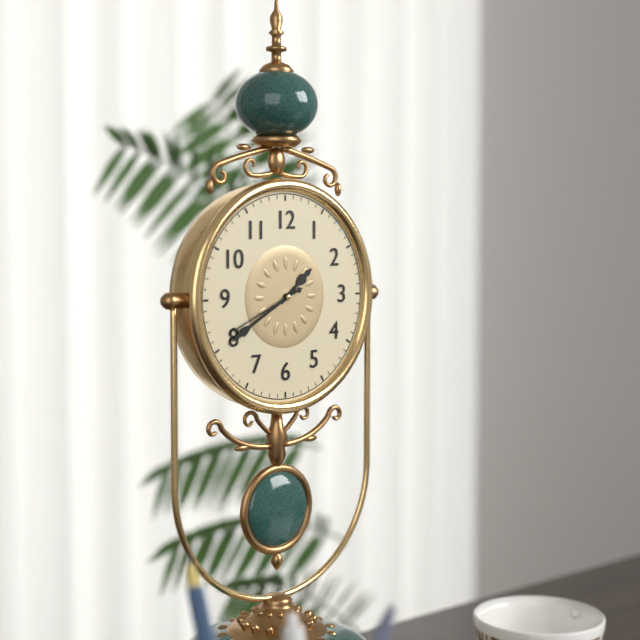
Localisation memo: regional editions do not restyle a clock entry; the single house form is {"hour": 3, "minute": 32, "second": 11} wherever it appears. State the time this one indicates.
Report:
{"hour": 1, "minute": 40, "second": 41}
